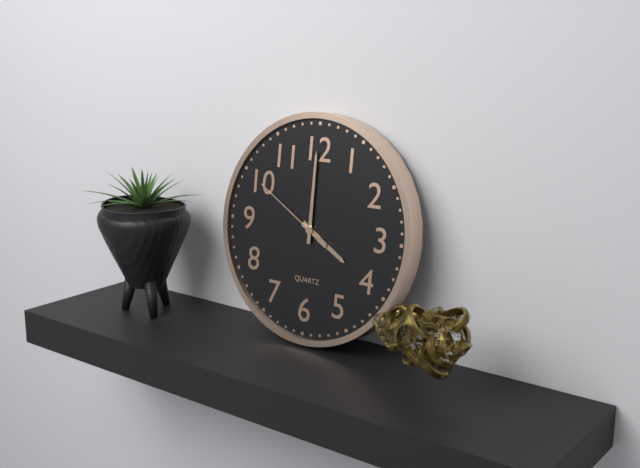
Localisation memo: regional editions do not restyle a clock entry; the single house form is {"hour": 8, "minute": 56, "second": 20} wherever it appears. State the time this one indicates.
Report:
{"hour": 4, "minute": 0, "second": 50}
